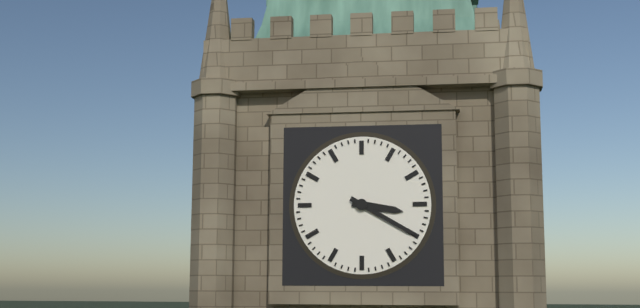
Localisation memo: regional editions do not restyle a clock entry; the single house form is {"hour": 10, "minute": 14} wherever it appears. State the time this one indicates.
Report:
{"hour": 3, "minute": 20}
